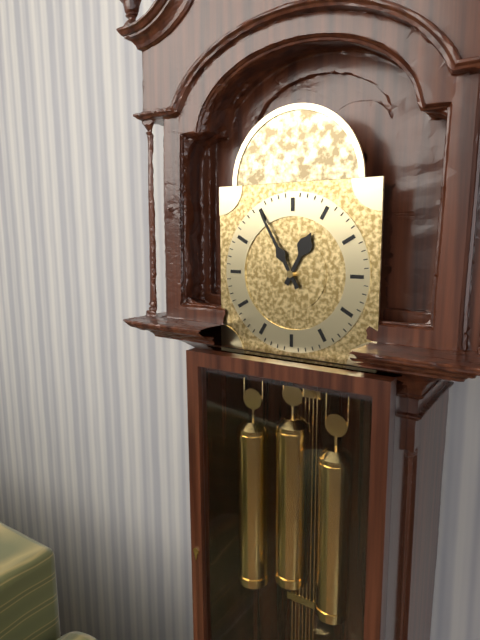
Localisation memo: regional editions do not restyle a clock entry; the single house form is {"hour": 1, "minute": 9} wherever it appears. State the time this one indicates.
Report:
{"hour": 12, "minute": 55}
